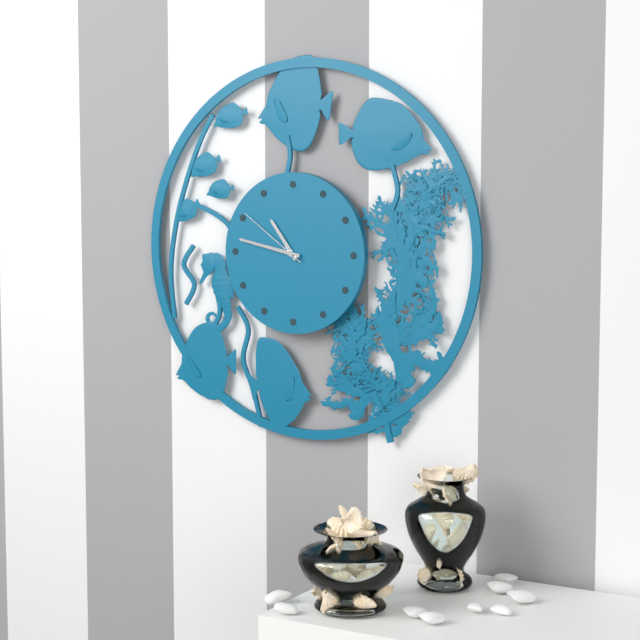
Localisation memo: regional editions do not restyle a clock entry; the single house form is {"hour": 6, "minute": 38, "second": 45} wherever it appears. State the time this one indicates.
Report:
{"hour": 10, "minute": 47, "second": 51}
